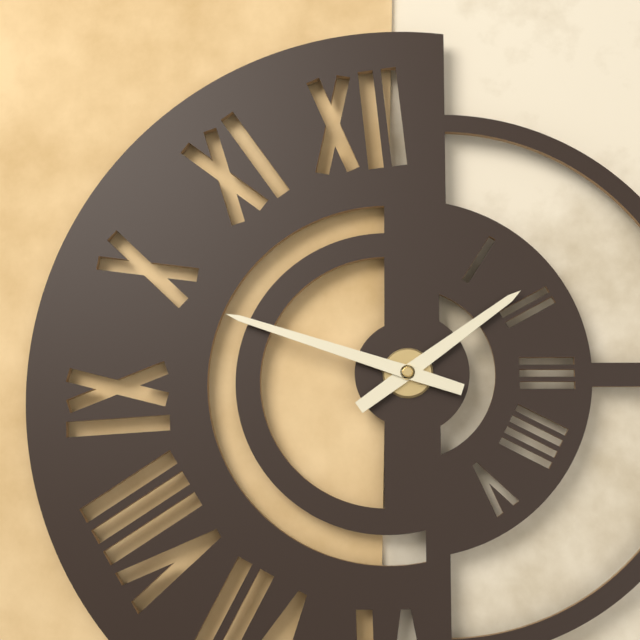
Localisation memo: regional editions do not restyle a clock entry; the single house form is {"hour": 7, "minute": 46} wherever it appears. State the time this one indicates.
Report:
{"hour": 1, "minute": 48}
